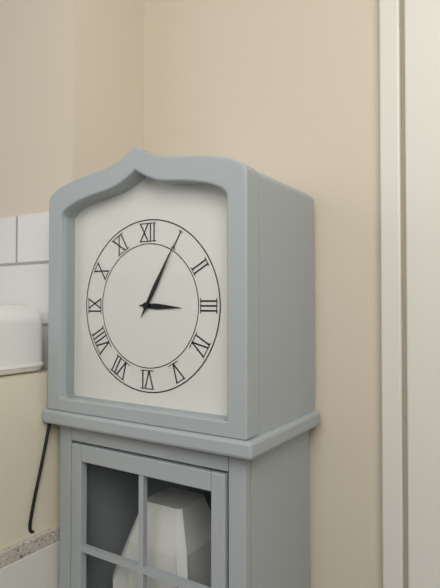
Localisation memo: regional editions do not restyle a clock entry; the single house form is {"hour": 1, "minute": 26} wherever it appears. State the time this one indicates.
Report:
{"hour": 3, "minute": 5}
